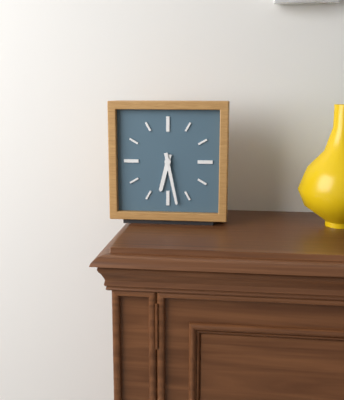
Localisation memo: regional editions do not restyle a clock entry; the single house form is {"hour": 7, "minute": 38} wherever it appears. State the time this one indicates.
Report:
{"hour": 6, "minute": 28}
